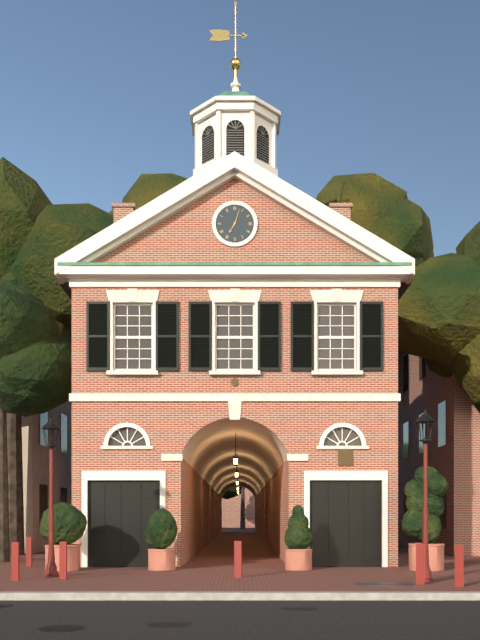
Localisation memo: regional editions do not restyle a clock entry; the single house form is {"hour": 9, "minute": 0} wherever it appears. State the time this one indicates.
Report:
{"hour": 7, "minute": 3}
